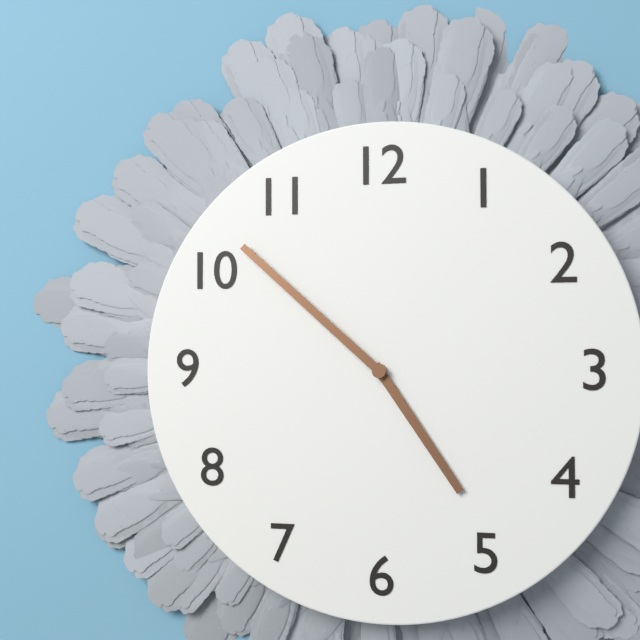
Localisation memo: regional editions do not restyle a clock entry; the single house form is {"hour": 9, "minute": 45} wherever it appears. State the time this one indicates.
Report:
{"hour": 4, "minute": 52}
